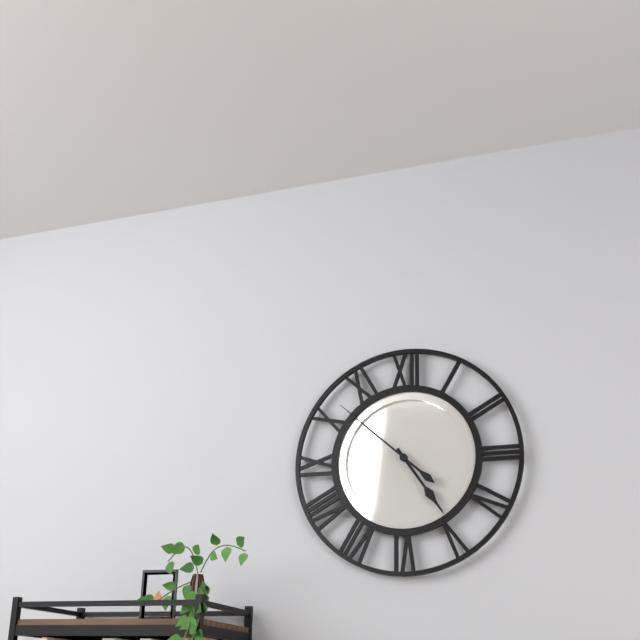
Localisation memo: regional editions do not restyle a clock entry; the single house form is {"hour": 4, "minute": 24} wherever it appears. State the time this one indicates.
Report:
{"hour": 4, "minute": 52}
